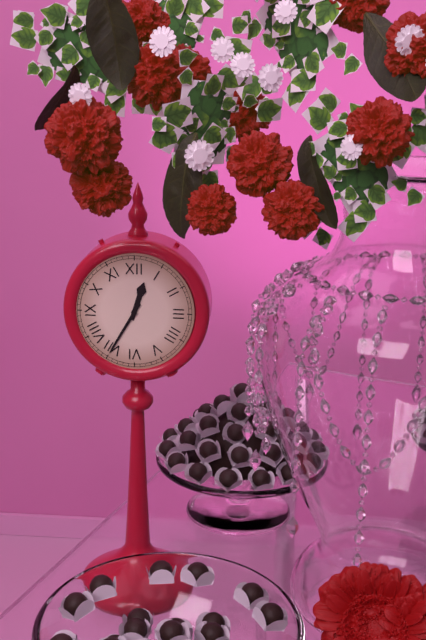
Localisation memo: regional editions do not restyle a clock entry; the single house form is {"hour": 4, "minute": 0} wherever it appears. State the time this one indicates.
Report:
{"hour": 12, "minute": 35}
